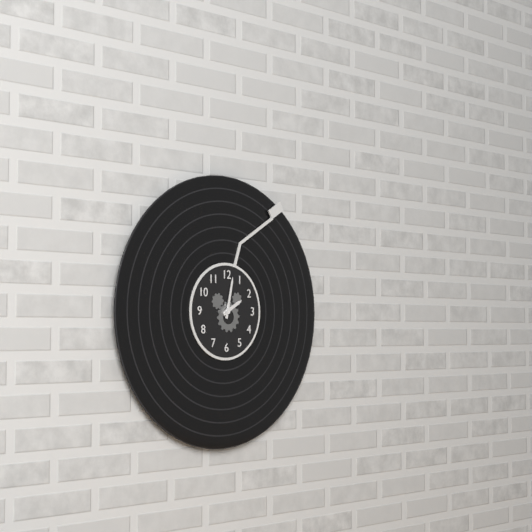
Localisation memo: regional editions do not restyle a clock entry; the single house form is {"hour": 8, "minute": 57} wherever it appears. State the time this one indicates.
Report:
{"hour": 2, "minute": 2}
